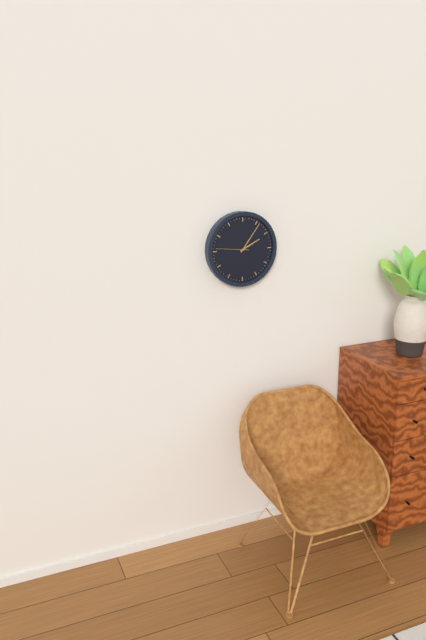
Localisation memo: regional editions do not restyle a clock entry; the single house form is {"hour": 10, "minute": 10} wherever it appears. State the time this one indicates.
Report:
{"hour": 2, "minute": 6}
